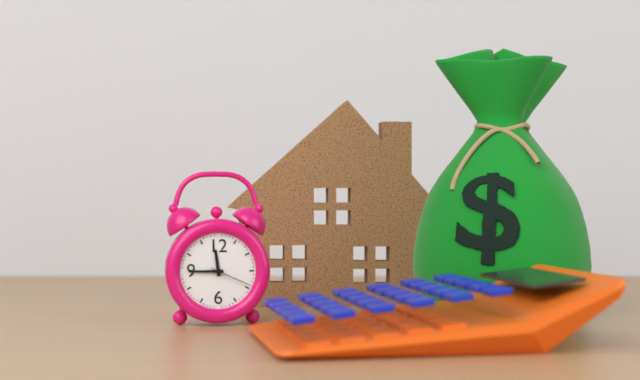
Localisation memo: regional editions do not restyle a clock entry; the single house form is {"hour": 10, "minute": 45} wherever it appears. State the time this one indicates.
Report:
{"hour": 11, "minute": 45}
